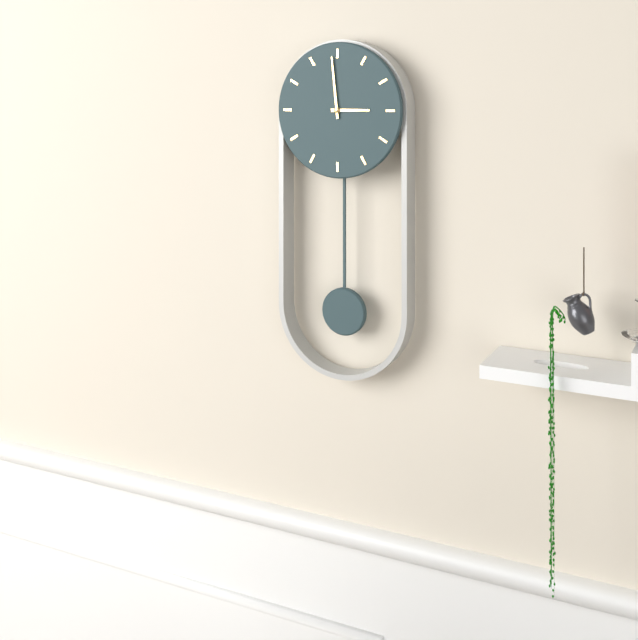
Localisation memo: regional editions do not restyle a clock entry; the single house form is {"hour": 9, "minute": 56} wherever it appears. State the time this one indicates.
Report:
{"hour": 2, "minute": 59}
